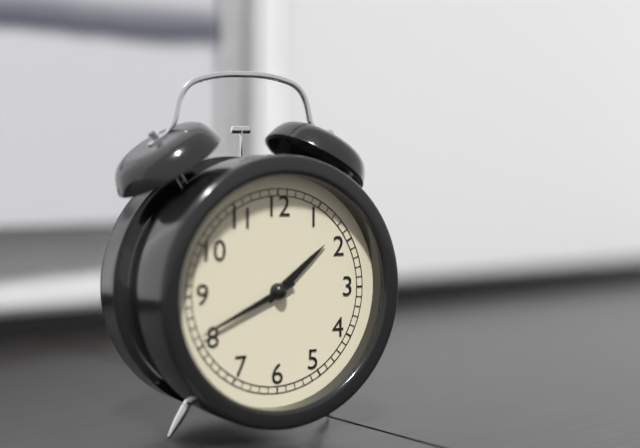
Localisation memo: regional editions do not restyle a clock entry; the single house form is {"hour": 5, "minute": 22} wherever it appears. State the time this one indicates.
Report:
{"hour": 1, "minute": 41}
